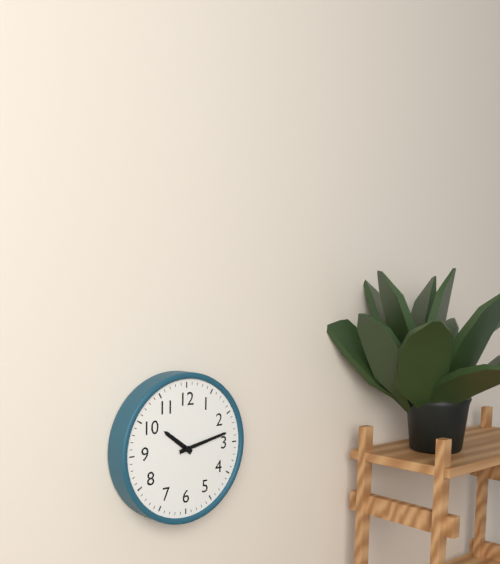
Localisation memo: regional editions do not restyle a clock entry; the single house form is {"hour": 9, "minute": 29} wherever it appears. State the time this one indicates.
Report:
{"hour": 10, "minute": 13}
